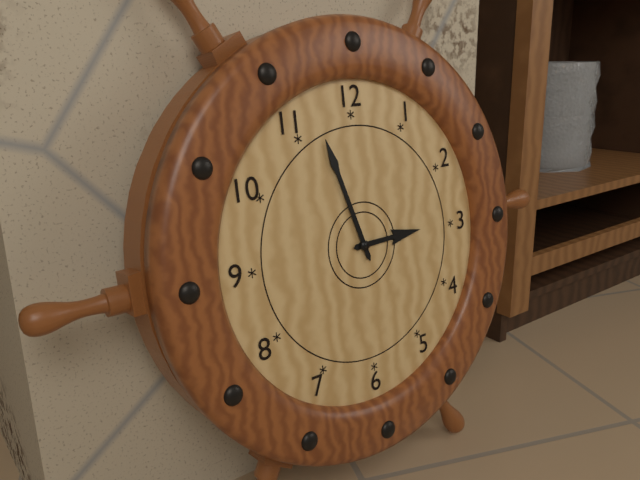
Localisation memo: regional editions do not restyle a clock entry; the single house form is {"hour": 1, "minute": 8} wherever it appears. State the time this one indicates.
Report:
{"hour": 2, "minute": 57}
